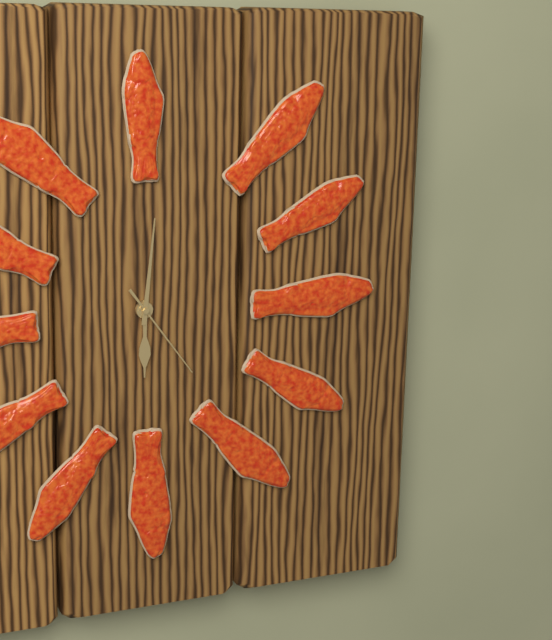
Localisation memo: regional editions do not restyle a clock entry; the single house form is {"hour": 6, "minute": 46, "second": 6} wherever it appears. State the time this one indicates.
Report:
{"hour": 6, "minute": 1, "second": 24}
